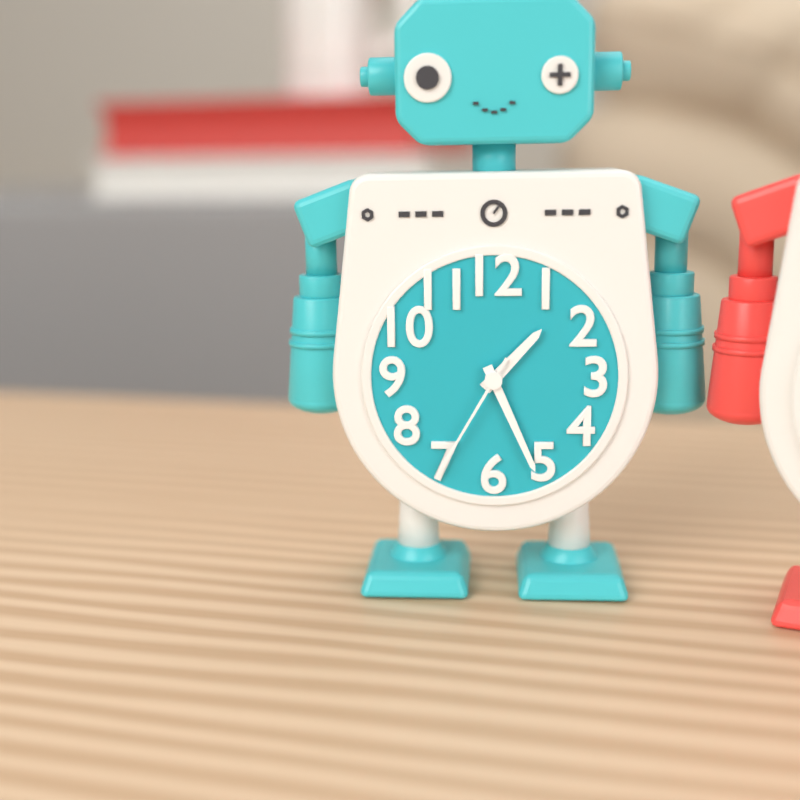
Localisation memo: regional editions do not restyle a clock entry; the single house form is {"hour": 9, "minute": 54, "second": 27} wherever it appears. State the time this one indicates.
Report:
{"hour": 1, "minute": 26, "second": 35}
